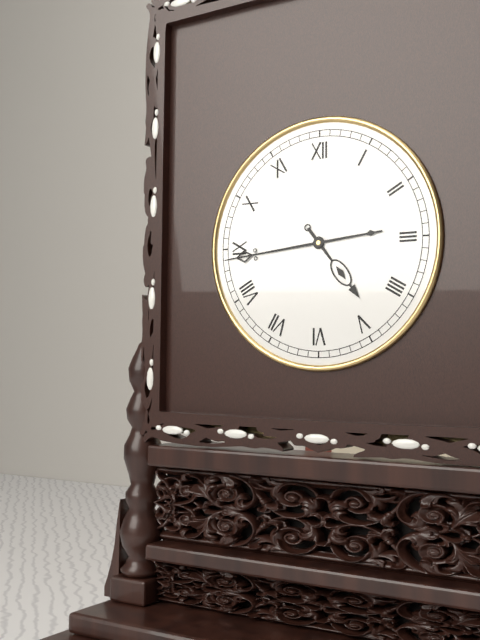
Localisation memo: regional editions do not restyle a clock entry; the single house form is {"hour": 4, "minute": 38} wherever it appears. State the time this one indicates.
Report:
{"hour": 4, "minute": 44}
